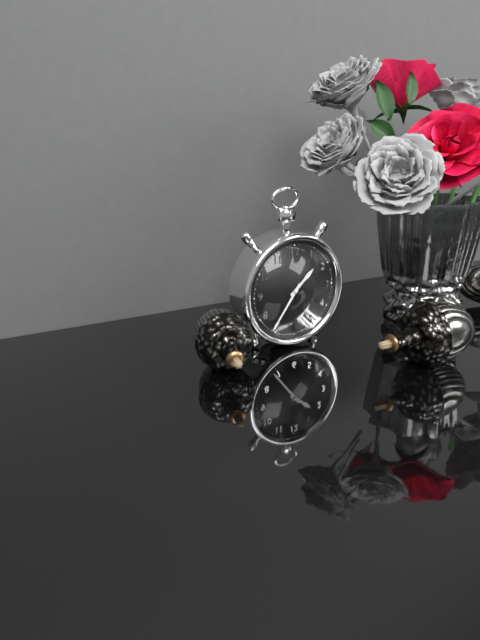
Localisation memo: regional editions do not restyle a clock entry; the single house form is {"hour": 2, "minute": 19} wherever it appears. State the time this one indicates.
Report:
{"hour": 1, "minute": 36}
